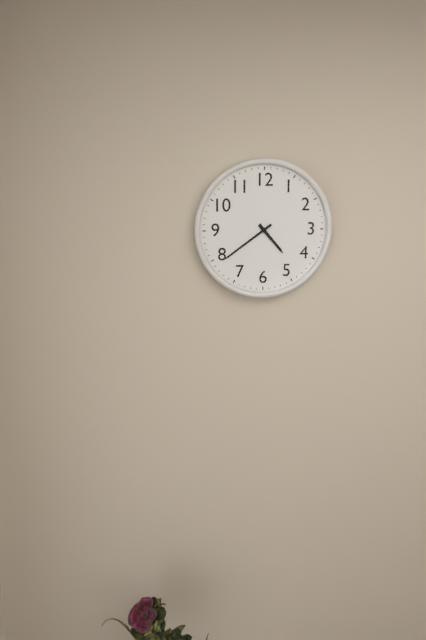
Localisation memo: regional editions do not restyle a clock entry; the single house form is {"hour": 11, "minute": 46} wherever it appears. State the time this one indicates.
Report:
{"hour": 4, "minute": 39}
